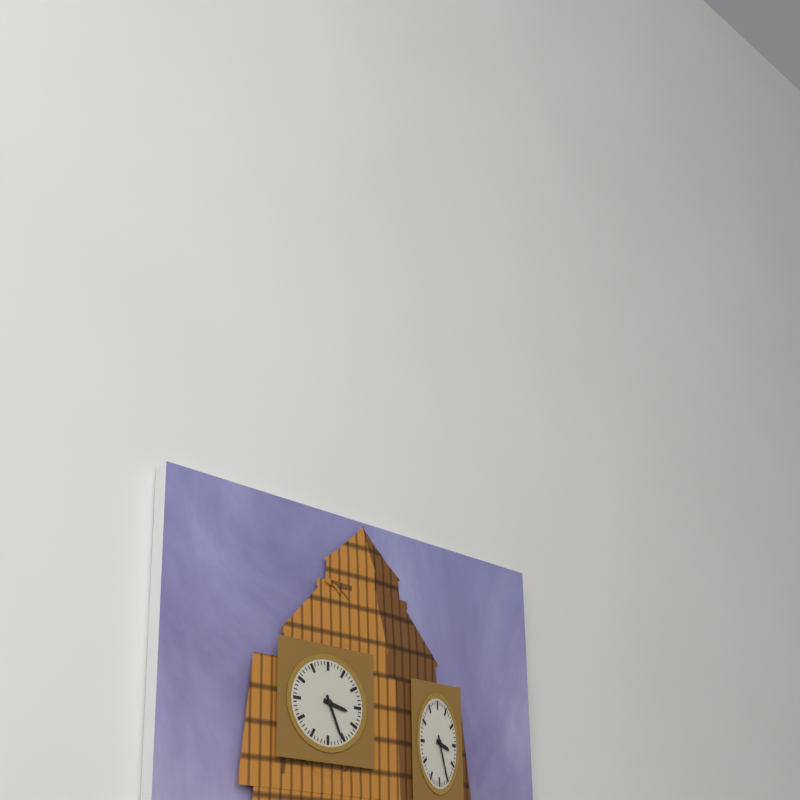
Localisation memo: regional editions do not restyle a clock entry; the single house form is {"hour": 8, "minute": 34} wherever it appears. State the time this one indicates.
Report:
{"hour": 3, "minute": 26}
